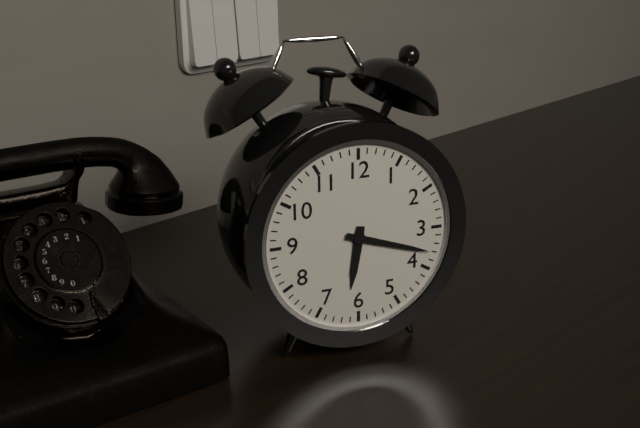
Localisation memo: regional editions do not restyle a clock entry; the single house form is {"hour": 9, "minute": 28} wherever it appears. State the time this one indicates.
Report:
{"hour": 6, "minute": 18}
